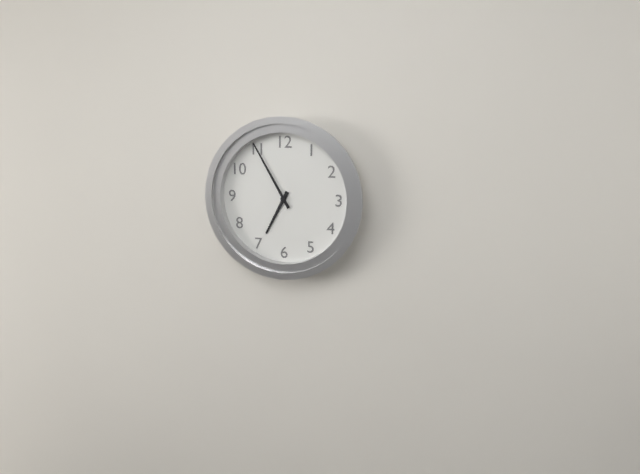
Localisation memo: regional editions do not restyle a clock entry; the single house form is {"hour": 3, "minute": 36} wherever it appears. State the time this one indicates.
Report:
{"hour": 6, "minute": 55}
